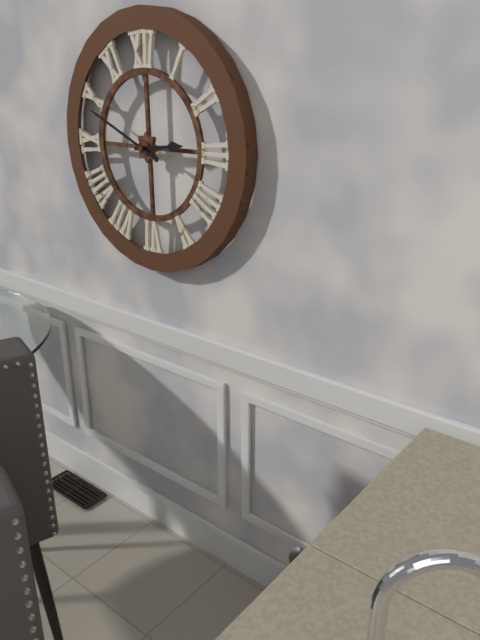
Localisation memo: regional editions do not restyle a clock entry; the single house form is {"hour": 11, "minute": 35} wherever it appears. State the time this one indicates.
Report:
{"hour": 2, "minute": 49}
